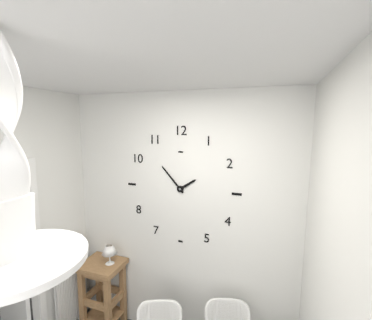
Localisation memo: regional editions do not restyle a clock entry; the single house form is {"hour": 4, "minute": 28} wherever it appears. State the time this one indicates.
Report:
{"hour": 1, "minute": 53}
